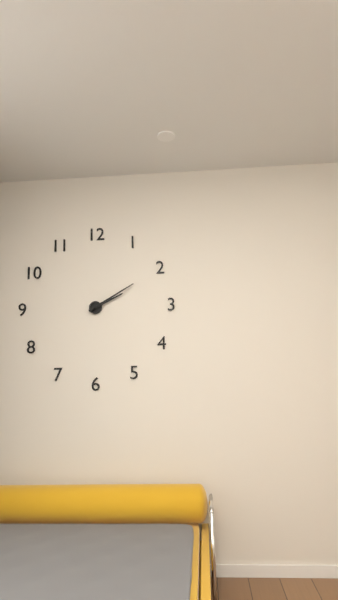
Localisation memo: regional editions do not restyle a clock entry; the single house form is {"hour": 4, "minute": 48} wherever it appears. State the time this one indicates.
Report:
{"hour": 2, "minute": 10}
